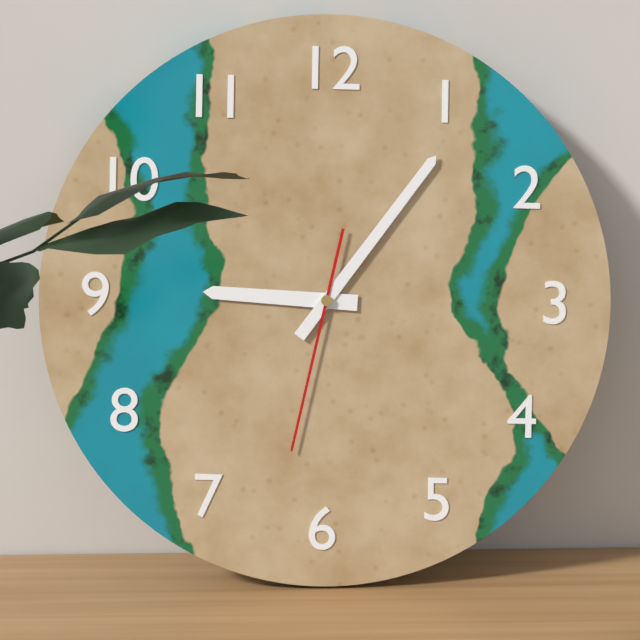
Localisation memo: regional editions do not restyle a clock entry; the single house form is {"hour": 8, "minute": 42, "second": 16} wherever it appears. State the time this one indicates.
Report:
{"hour": 9, "minute": 6, "second": 32}
